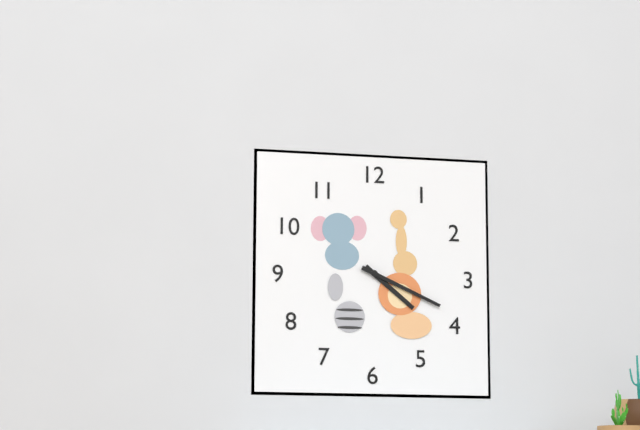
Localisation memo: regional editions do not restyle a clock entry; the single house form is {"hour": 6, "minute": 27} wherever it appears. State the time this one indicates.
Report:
{"hour": 4, "minute": 19}
